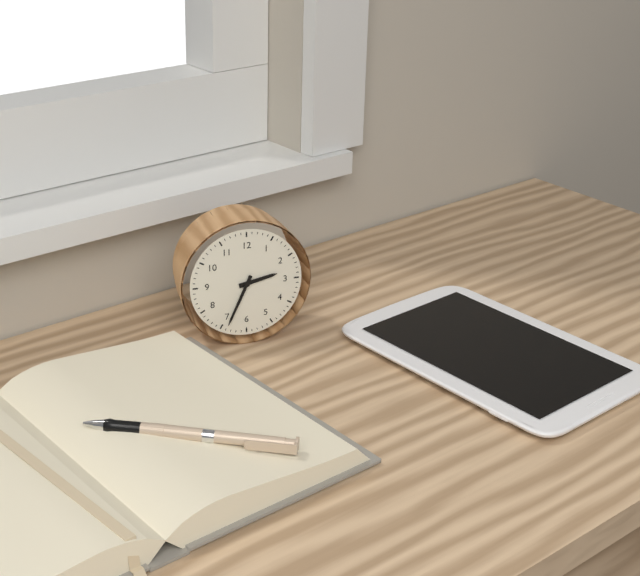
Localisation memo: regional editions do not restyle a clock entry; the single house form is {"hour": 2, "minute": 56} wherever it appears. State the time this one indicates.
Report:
{"hour": 2, "minute": 34}
